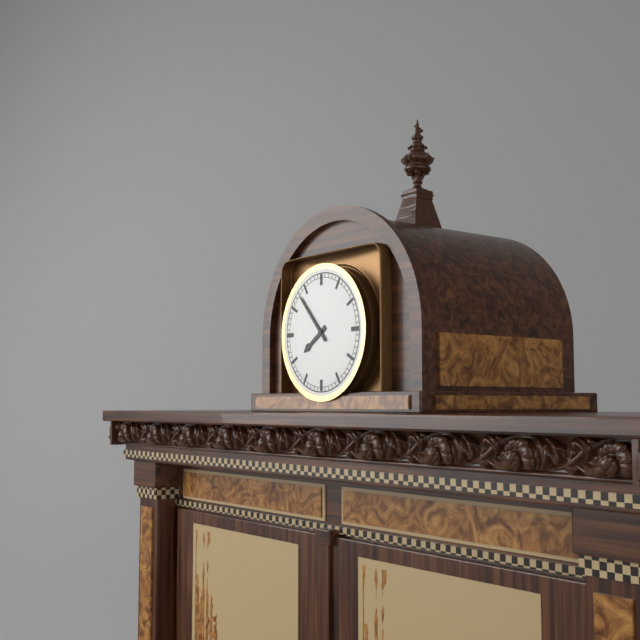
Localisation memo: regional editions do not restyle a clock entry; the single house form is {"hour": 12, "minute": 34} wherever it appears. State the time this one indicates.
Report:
{"hour": 7, "minute": 53}
